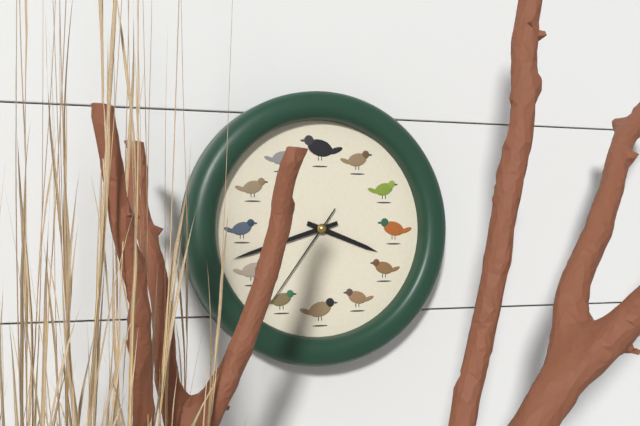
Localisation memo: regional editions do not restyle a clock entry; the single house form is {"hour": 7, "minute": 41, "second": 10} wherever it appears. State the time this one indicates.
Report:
{"hour": 3, "minute": 42, "second": 36}
